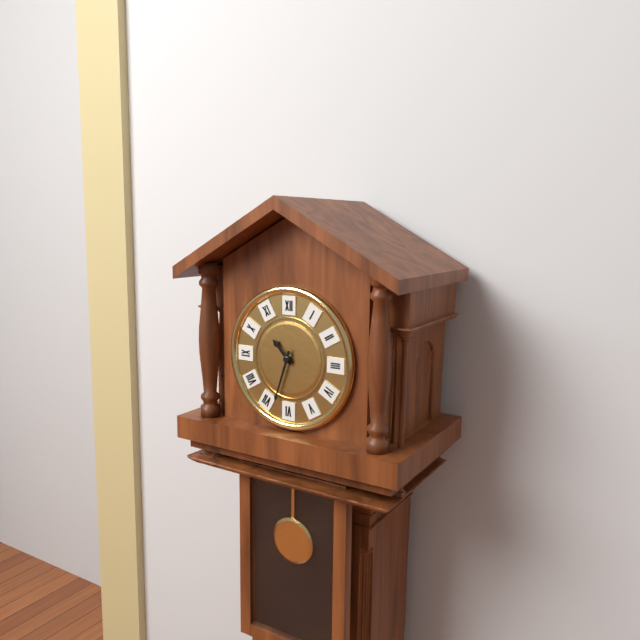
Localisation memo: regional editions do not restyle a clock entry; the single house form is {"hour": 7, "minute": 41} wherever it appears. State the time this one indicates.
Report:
{"hour": 10, "minute": 33}
